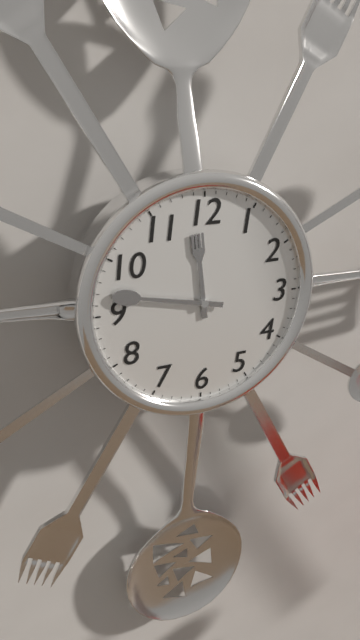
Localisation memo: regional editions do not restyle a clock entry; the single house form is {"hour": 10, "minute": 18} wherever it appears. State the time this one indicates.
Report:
{"hour": 11, "minute": 47}
